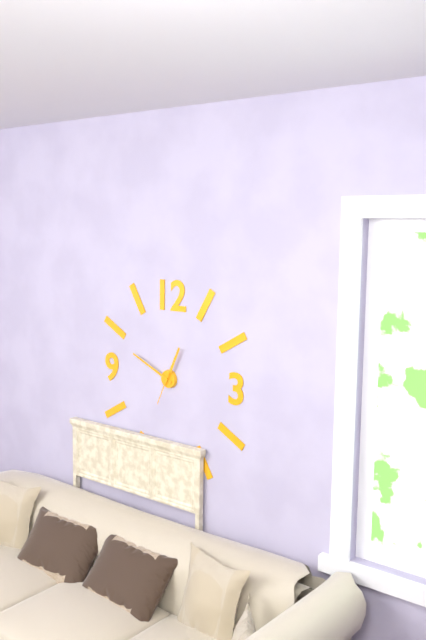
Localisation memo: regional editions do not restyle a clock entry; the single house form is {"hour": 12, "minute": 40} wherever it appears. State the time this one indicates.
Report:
{"hour": 12, "minute": 49}
